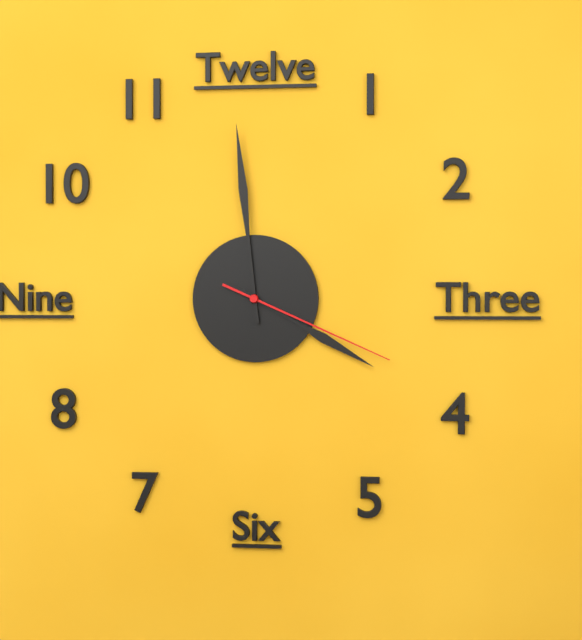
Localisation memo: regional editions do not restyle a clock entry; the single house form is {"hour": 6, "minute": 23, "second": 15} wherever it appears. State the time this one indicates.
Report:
{"hour": 3, "minute": 59, "second": 19}
